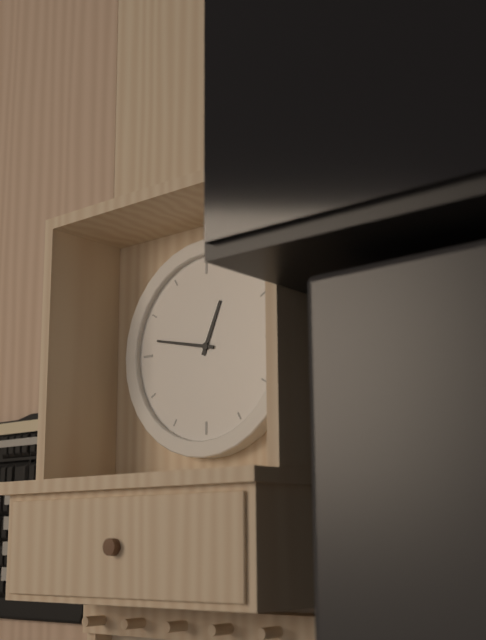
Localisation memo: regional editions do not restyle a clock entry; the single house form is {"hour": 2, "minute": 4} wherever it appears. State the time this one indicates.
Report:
{"hour": 12, "minute": 47}
